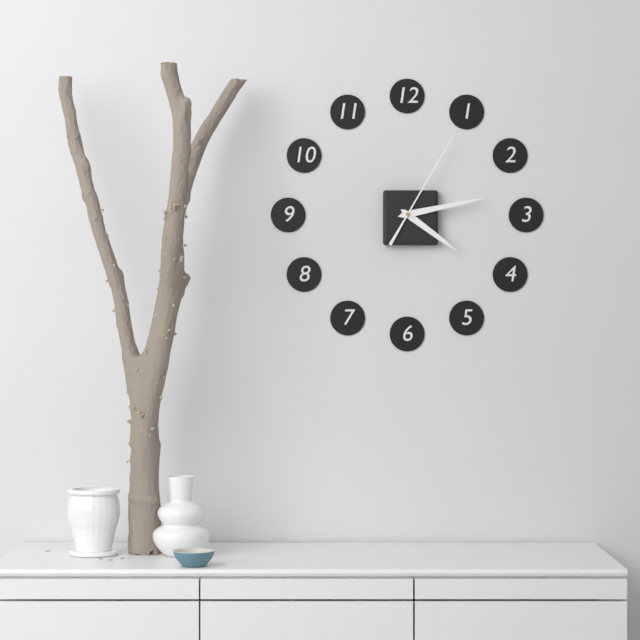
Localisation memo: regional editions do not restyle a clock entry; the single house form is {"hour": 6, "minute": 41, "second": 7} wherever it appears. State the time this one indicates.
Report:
{"hour": 4, "minute": 13, "second": 5}
